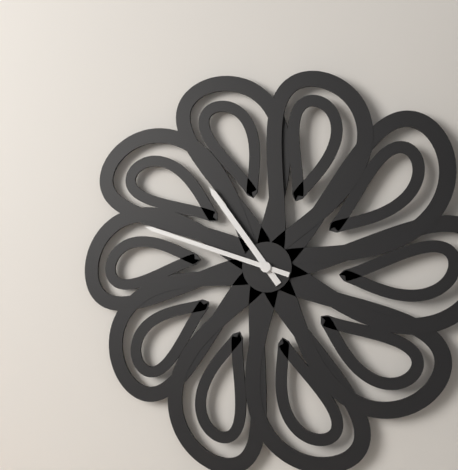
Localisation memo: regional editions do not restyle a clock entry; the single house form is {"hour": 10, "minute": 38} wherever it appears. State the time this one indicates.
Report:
{"hour": 10, "minute": 48}
